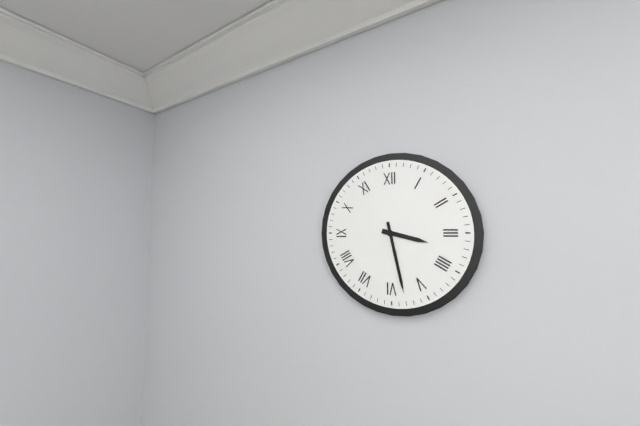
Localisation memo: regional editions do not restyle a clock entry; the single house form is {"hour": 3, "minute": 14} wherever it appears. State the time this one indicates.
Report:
{"hour": 3, "minute": 28}
